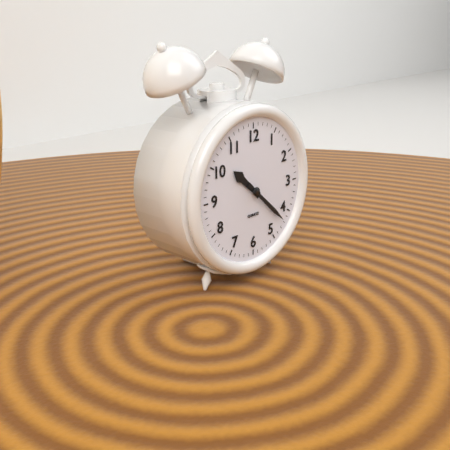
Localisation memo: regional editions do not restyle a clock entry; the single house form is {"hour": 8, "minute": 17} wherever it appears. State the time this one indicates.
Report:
{"hour": 10, "minute": 22}
